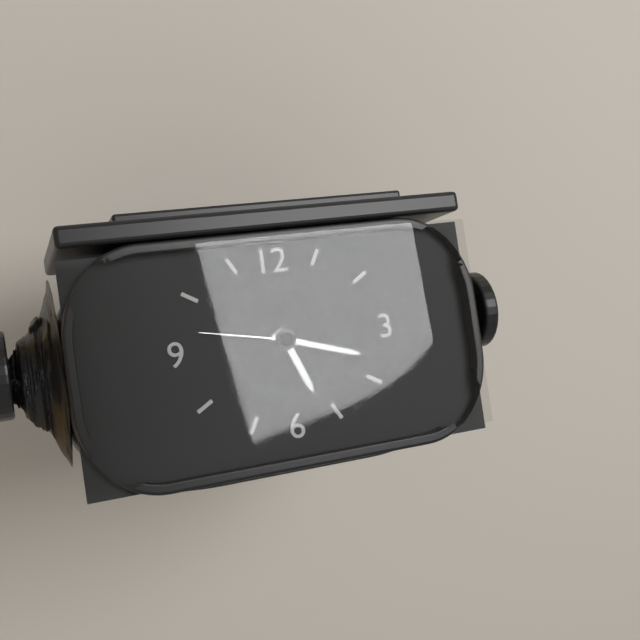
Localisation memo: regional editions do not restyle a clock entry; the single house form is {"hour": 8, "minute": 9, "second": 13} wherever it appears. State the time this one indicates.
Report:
{"hour": 5, "minute": 18, "second": 47}
